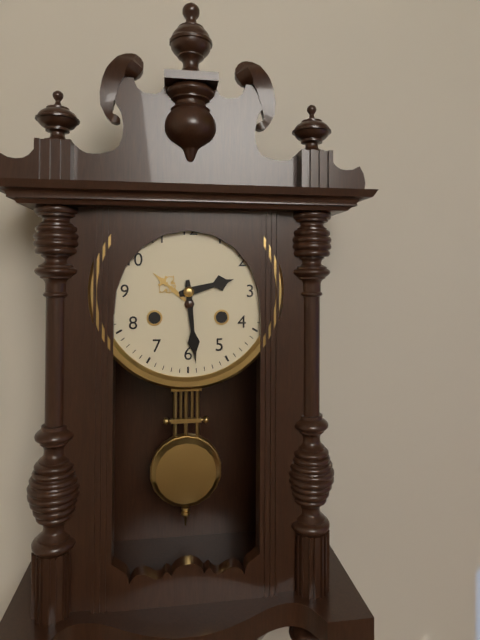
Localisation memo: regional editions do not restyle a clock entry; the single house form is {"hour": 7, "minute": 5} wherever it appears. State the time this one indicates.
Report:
{"hour": 2, "minute": 29}
